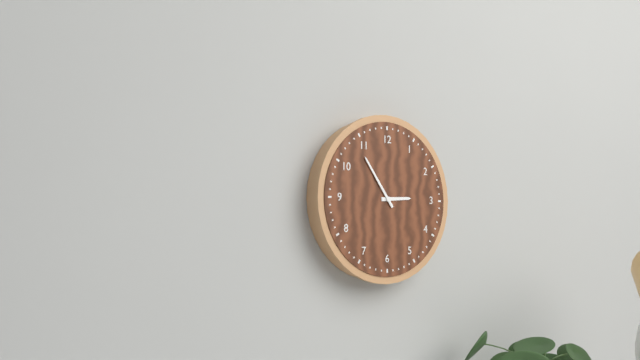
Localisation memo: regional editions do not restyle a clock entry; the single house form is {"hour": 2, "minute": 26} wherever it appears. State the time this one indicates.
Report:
{"hour": 2, "minute": 54}
